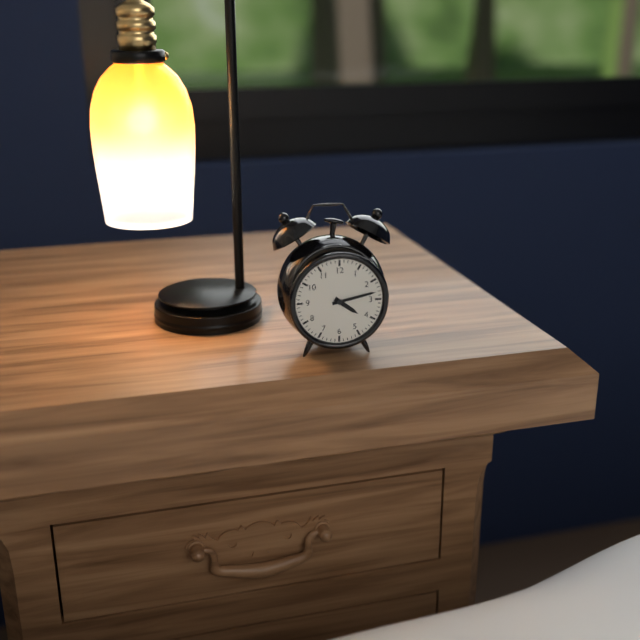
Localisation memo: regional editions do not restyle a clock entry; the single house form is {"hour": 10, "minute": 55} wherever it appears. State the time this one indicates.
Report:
{"hour": 4, "minute": 13}
